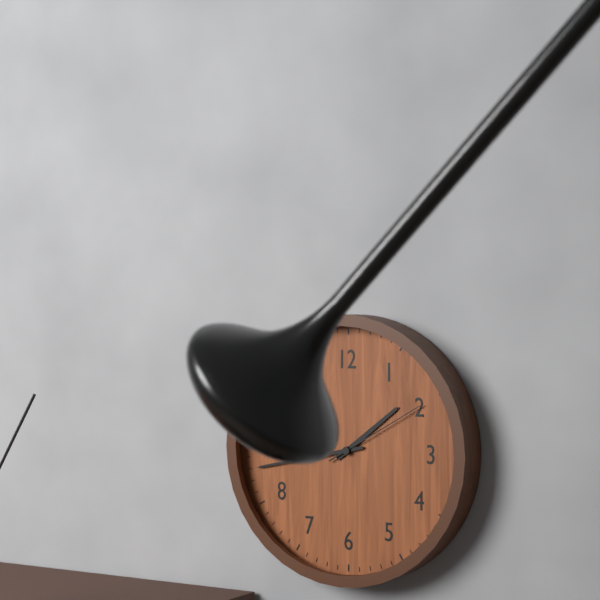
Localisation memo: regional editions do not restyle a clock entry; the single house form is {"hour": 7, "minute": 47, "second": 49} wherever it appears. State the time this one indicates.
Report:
{"hour": 1, "minute": 43, "second": 10}
